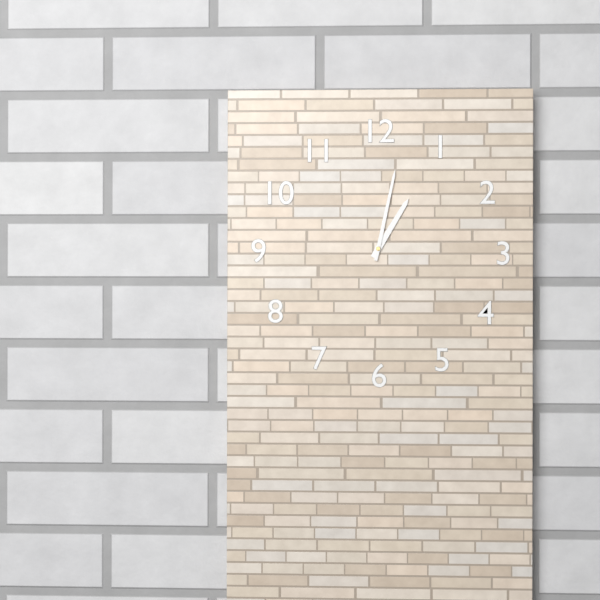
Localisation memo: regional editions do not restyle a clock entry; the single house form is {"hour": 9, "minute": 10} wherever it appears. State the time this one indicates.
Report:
{"hour": 1, "minute": 2}
